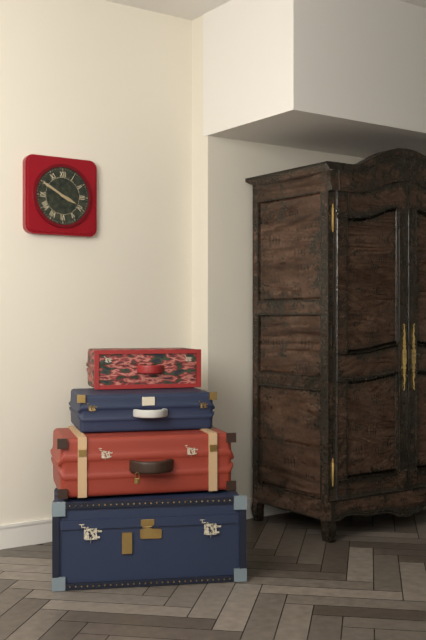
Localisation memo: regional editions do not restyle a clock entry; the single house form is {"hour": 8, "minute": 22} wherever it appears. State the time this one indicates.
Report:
{"hour": 3, "minute": 50}
